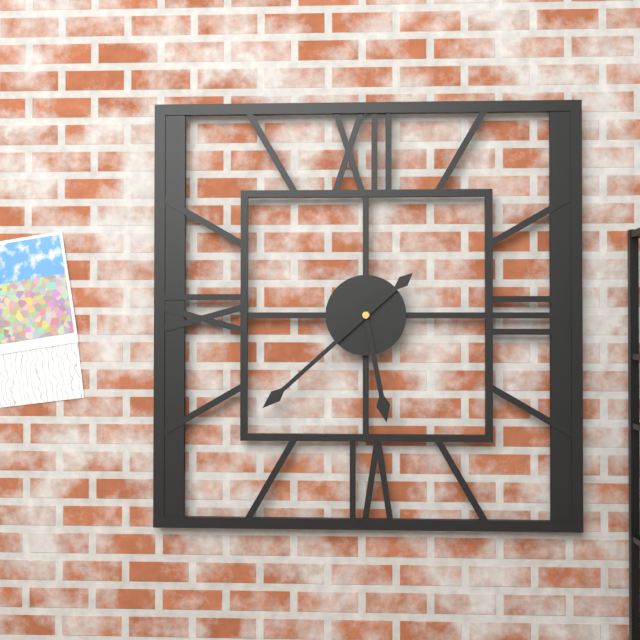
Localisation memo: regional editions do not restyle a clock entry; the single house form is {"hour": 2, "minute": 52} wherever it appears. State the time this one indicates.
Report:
{"hour": 5, "minute": 38}
